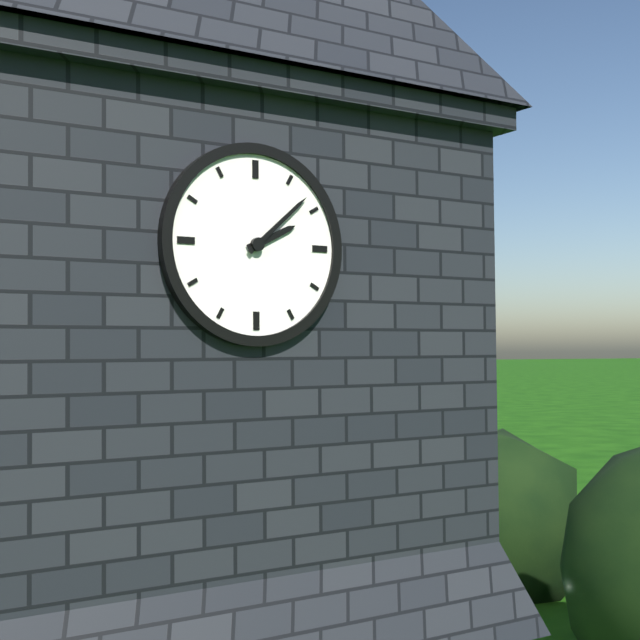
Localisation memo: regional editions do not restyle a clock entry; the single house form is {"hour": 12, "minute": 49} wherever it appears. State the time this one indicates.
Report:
{"hour": 2, "minute": 8}
